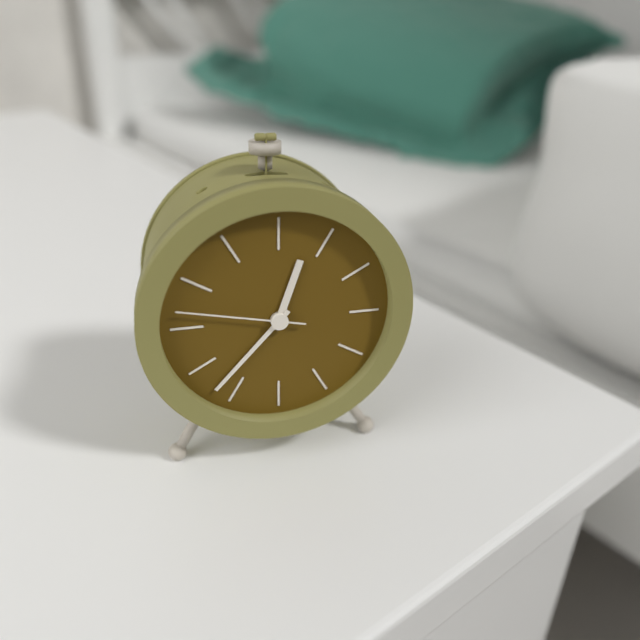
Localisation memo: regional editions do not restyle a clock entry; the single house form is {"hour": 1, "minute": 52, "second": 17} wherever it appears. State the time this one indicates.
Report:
{"hour": 12, "minute": 37, "second": 47}
